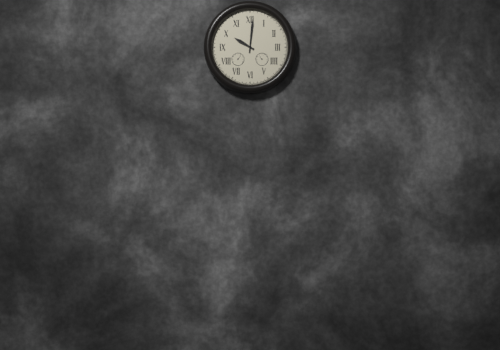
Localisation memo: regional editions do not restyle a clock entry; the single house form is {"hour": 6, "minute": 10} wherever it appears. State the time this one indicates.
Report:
{"hour": 10, "minute": 1}
